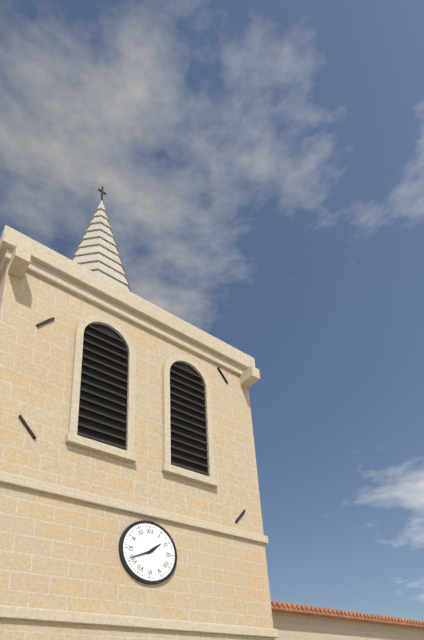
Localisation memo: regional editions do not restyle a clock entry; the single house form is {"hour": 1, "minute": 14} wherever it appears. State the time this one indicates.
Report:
{"hour": 1, "minute": 41}
